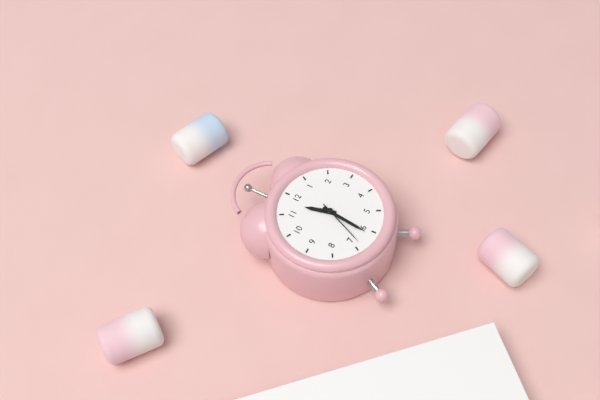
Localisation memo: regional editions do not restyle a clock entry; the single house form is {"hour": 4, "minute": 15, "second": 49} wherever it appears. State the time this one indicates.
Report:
{"hour": 11, "minute": 31, "second": 34}
